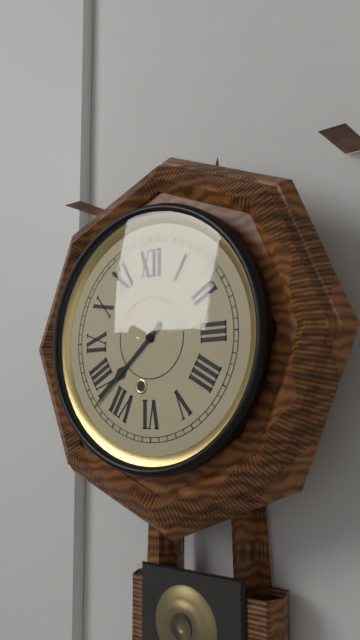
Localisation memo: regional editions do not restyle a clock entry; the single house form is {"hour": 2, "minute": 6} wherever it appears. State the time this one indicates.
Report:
{"hour": 7, "minute": 38}
